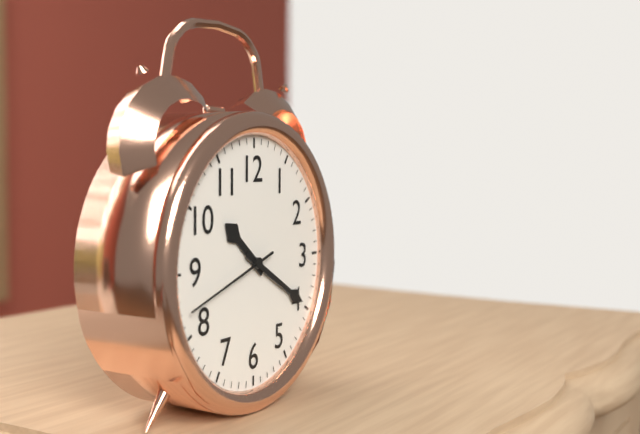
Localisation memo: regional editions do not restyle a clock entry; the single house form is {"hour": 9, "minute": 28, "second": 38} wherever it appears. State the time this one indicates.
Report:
{"hour": 10, "minute": 20, "second": 42}
